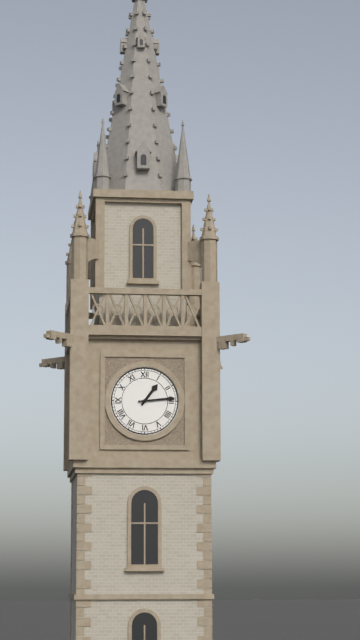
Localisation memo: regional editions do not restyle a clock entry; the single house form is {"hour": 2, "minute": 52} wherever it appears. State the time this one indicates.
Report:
{"hour": 1, "minute": 14}
